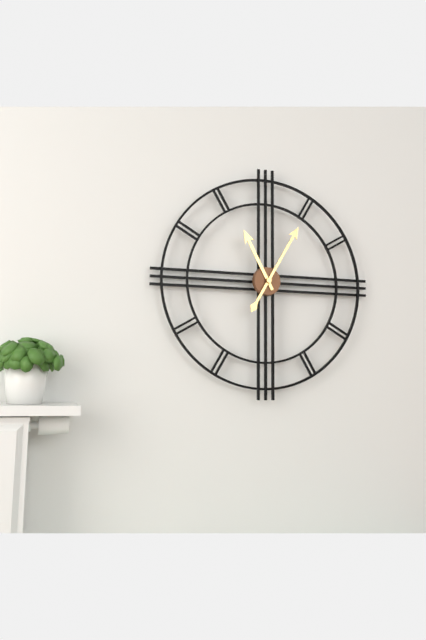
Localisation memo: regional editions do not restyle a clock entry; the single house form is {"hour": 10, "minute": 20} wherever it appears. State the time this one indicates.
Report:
{"hour": 11, "minute": 5}
